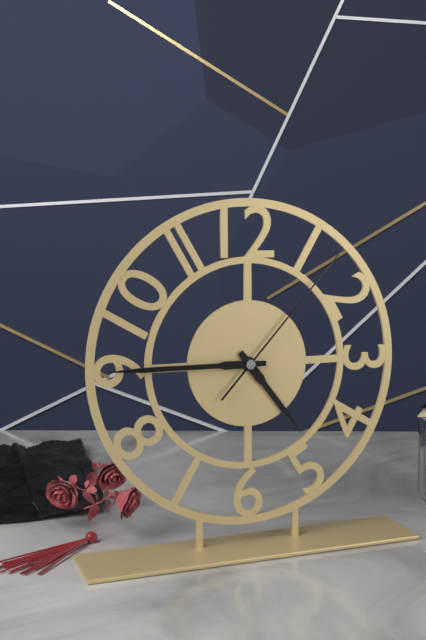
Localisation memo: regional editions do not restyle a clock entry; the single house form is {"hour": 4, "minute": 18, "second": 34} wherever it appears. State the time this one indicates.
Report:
{"hour": 4, "minute": 45, "second": 7}
